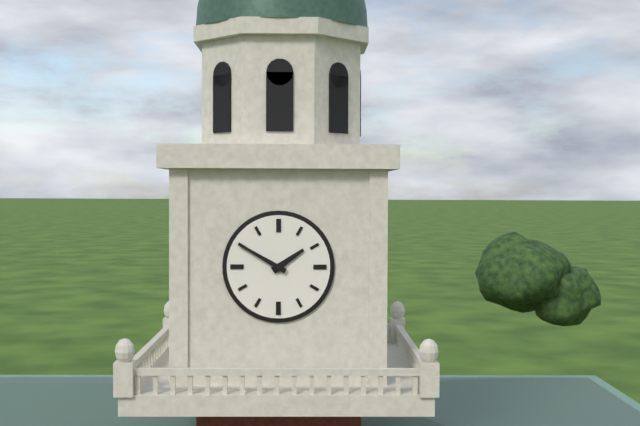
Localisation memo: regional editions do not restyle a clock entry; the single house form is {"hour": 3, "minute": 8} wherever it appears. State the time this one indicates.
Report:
{"hour": 1, "minute": 50}
